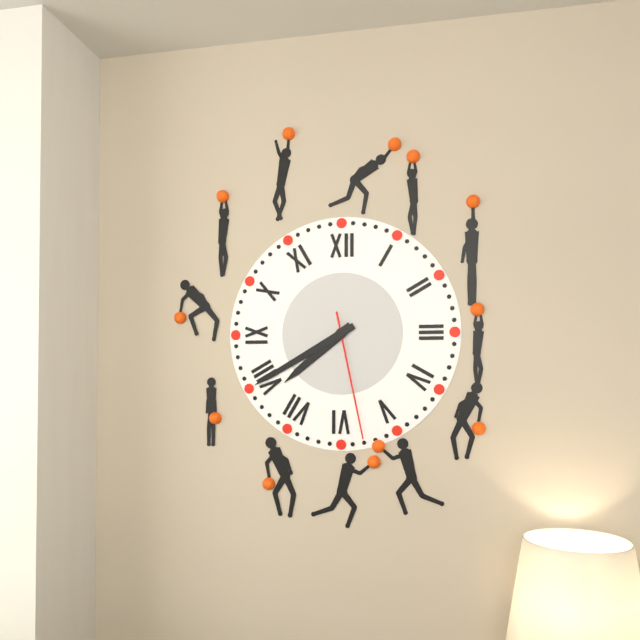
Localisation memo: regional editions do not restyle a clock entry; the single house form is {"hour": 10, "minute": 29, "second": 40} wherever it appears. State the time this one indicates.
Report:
{"hour": 7, "minute": 40, "second": 28}
